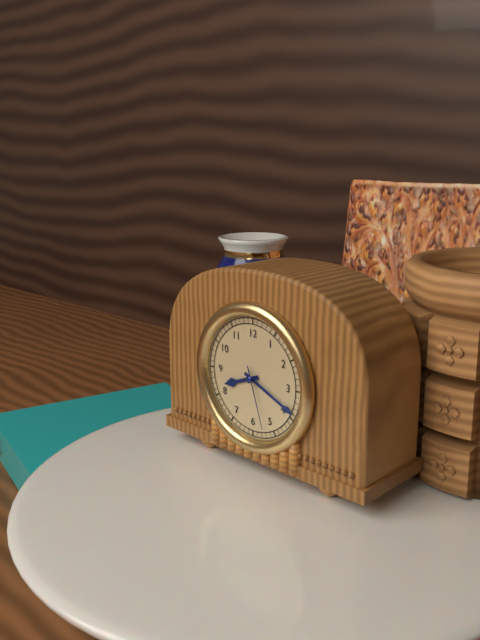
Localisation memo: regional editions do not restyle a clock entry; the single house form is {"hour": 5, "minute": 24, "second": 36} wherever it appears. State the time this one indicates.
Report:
{"hour": 8, "minute": 19, "second": 27}
